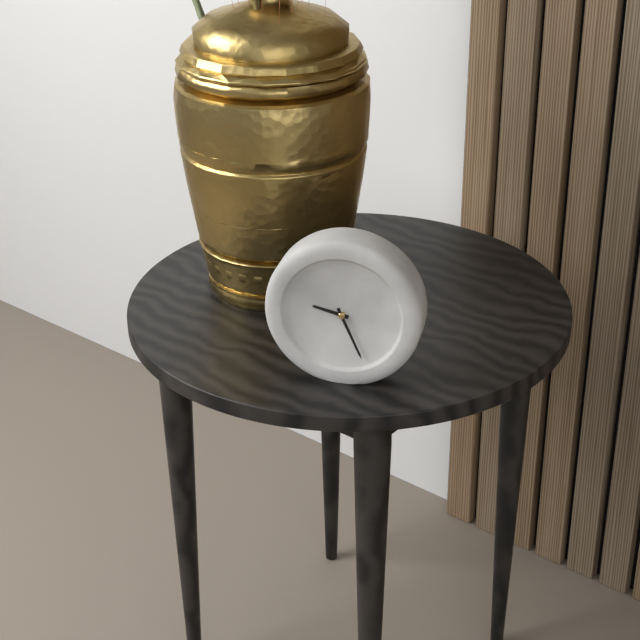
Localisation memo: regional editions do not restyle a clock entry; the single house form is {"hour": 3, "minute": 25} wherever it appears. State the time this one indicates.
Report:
{"hour": 9, "minute": 26}
